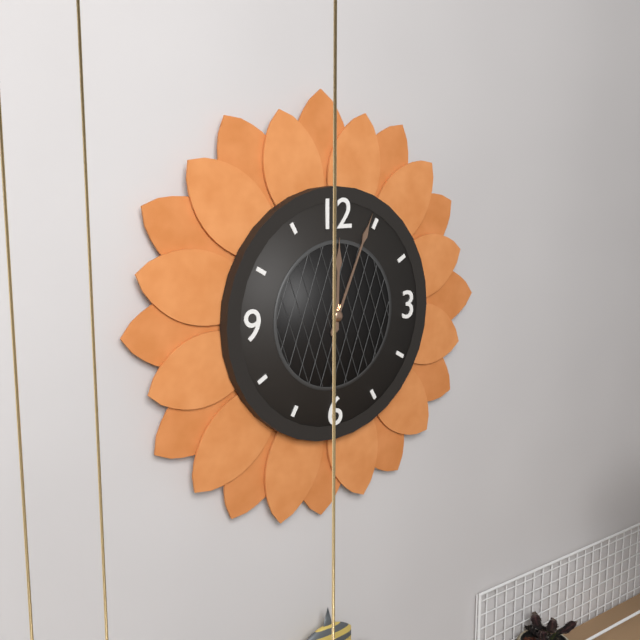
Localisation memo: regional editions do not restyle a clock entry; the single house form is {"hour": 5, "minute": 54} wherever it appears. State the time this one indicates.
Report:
{"hour": 12, "minute": 4}
